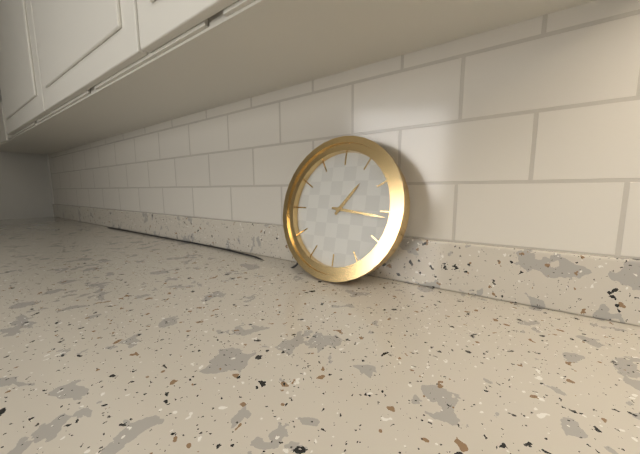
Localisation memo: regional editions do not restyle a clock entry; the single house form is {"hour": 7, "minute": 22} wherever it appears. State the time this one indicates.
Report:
{"hour": 1, "minute": 16}
